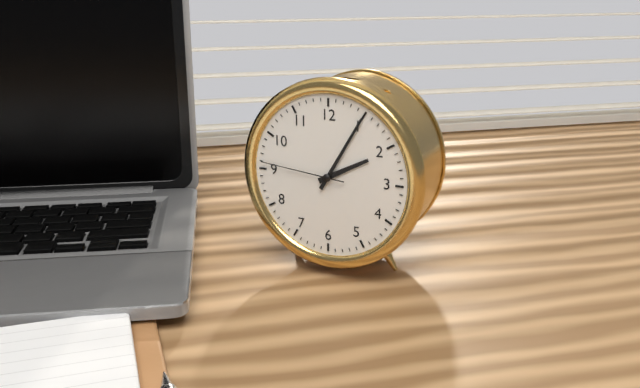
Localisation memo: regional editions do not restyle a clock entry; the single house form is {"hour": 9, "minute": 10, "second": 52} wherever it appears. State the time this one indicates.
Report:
{"hour": 2, "minute": 5, "second": 46}
